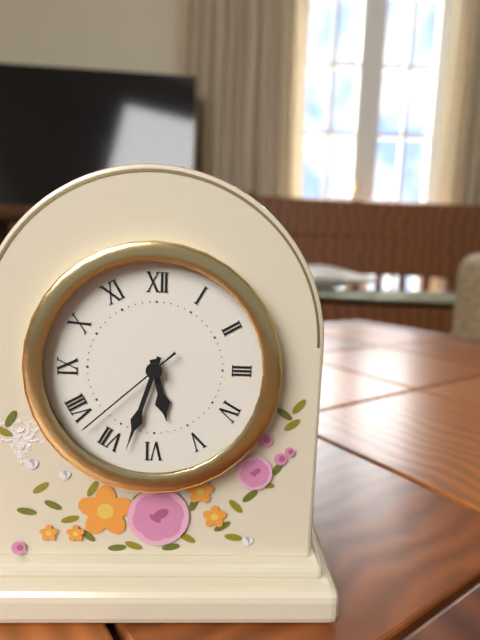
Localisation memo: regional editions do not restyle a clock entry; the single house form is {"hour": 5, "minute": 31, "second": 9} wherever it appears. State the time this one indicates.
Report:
{"hour": 5, "minute": 33, "second": 38}
